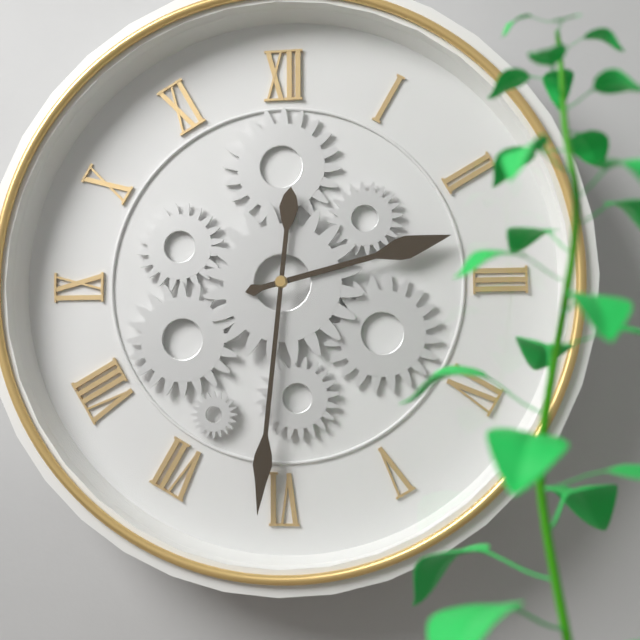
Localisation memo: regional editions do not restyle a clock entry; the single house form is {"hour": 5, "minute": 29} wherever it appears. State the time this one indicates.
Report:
{"hour": 2, "minute": 31}
